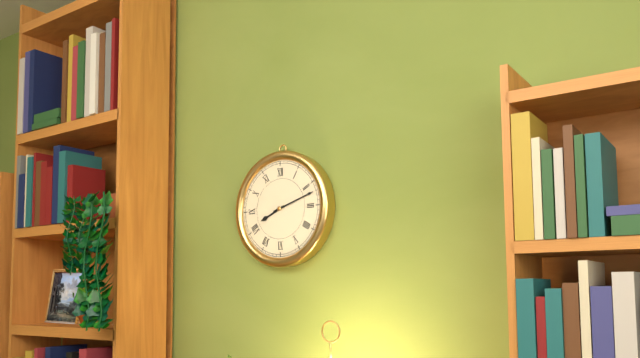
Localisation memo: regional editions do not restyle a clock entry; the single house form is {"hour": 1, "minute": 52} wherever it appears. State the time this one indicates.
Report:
{"hour": 8, "minute": 12}
